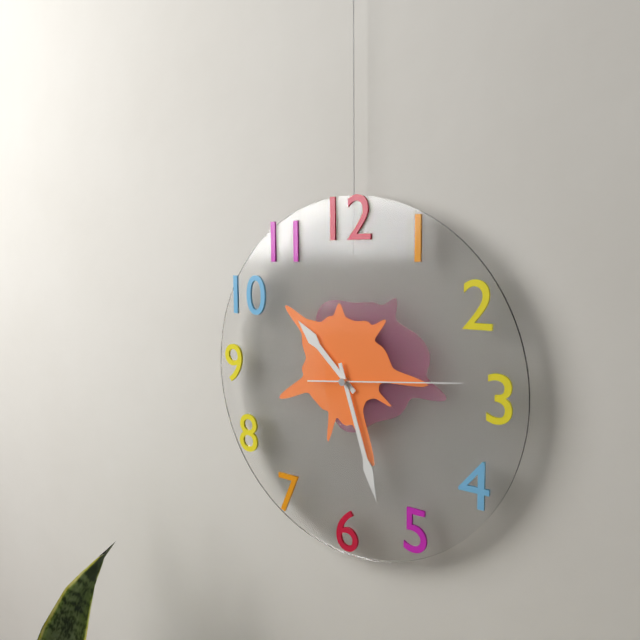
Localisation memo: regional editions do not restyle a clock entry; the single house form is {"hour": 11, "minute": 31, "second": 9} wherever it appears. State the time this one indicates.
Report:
{"hour": 10, "minute": 27, "second": 14}
